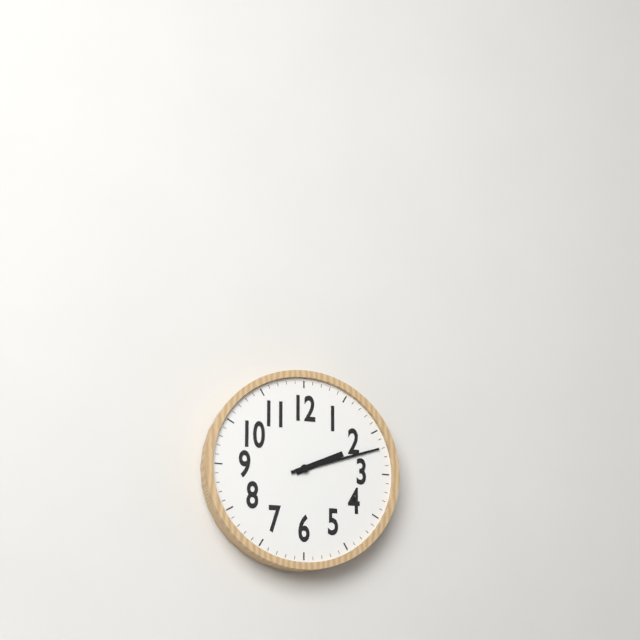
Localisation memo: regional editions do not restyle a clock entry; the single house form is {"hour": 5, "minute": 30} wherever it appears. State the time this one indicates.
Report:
{"hour": 2, "minute": 12}
